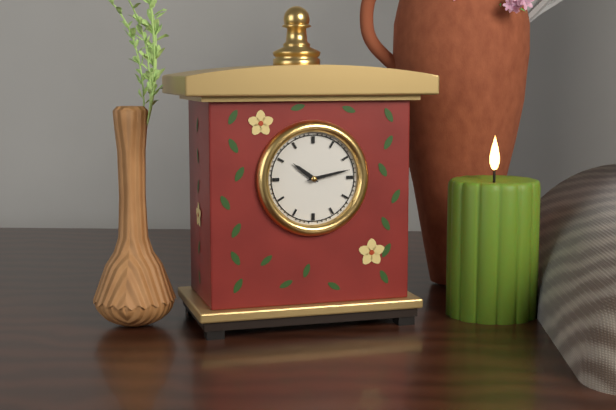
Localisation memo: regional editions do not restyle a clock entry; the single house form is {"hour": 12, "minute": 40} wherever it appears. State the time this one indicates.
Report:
{"hour": 10, "minute": 13}
